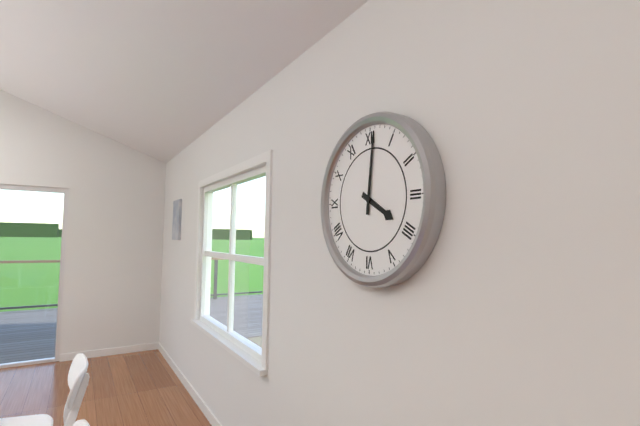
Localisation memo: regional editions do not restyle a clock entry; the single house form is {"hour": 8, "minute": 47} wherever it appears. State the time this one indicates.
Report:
{"hour": 4, "minute": 1}
